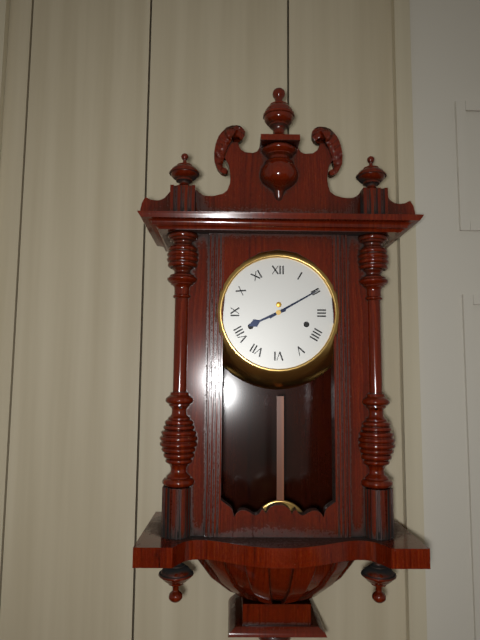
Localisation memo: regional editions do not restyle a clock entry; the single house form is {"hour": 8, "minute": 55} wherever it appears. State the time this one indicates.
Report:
{"hour": 8, "minute": 10}
